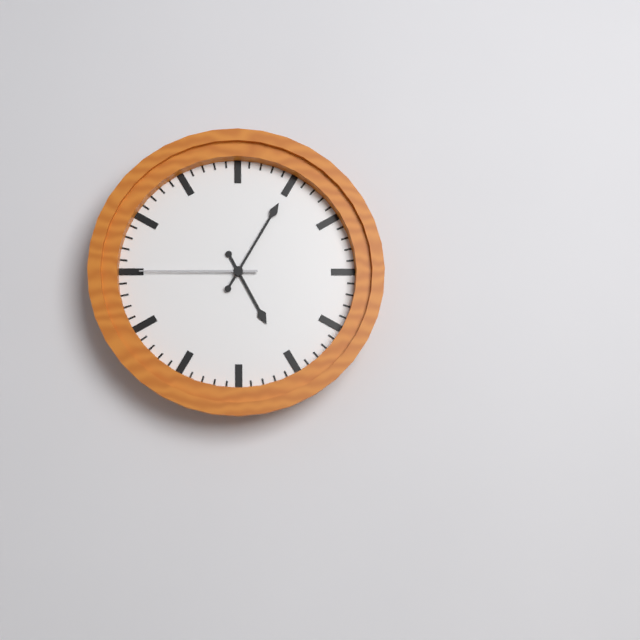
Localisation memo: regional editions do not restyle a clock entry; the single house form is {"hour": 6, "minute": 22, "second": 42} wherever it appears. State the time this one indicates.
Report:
{"hour": 5, "minute": 5, "second": 45}
